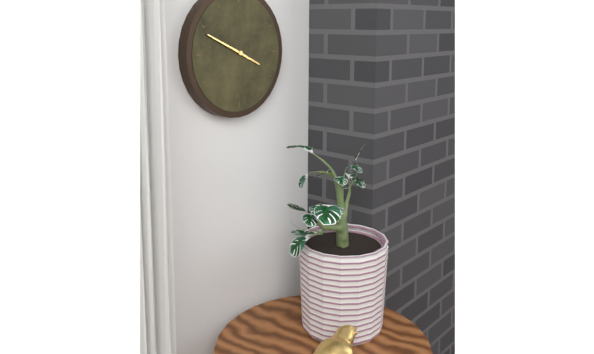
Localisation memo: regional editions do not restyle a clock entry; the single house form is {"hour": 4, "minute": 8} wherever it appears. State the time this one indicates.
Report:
{"hour": 3, "minute": 49}
